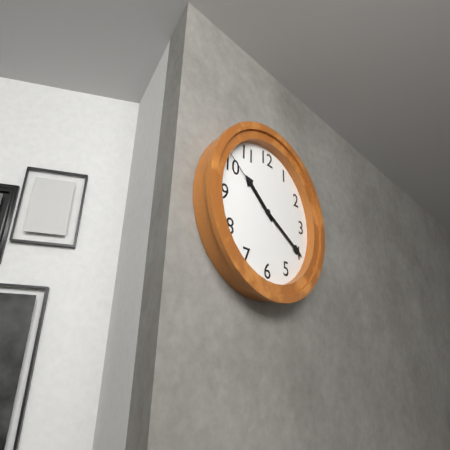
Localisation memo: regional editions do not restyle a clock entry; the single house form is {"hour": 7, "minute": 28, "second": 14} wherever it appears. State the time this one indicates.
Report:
{"hour": 10, "minute": 20, "second": 51}
